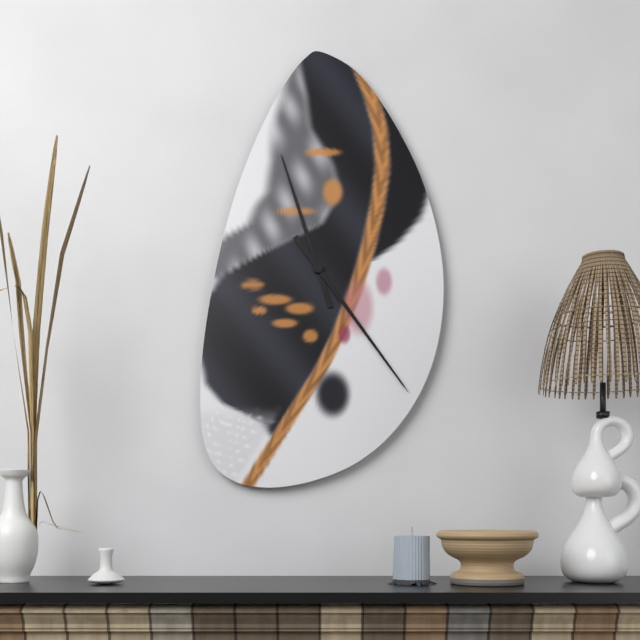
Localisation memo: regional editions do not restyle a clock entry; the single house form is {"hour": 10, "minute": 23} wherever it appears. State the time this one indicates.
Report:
{"hour": 11, "minute": 24}
